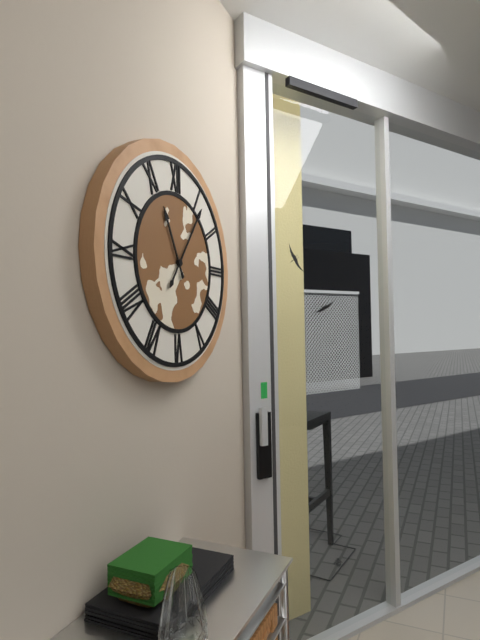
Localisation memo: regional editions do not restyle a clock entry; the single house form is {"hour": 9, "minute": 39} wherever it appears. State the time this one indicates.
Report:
{"hour": 11, "minute": 6}
